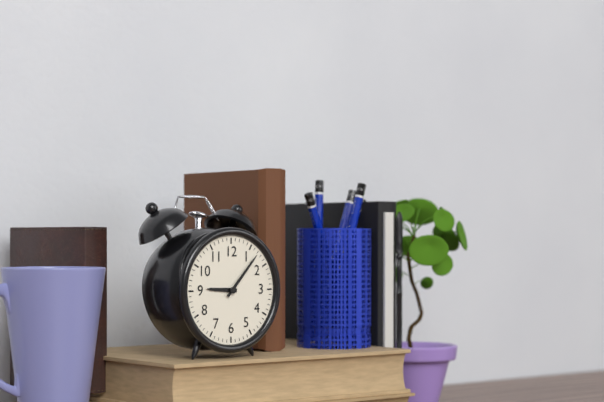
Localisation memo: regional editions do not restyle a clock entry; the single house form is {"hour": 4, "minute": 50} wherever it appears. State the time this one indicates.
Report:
{"hour": 9, "minute": 7}
